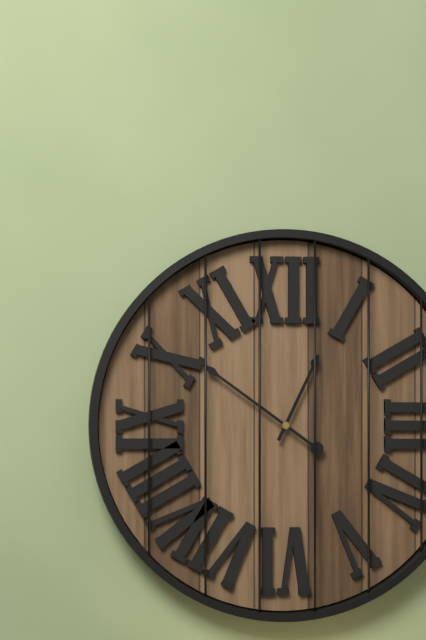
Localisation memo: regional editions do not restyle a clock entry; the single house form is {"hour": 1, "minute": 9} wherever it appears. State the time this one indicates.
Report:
{"hour": 12, "minute": 51}
